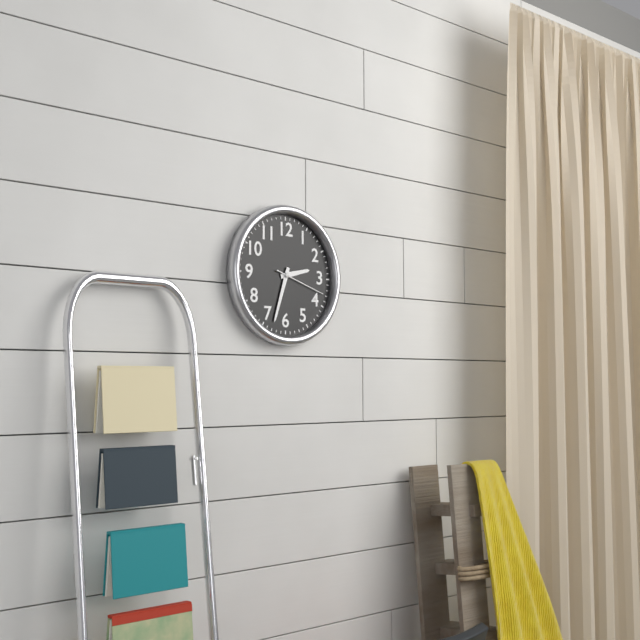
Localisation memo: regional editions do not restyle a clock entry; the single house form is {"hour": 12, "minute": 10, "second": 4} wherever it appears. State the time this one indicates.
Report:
{"hour": 2, "minute": 33, "second": 18}
